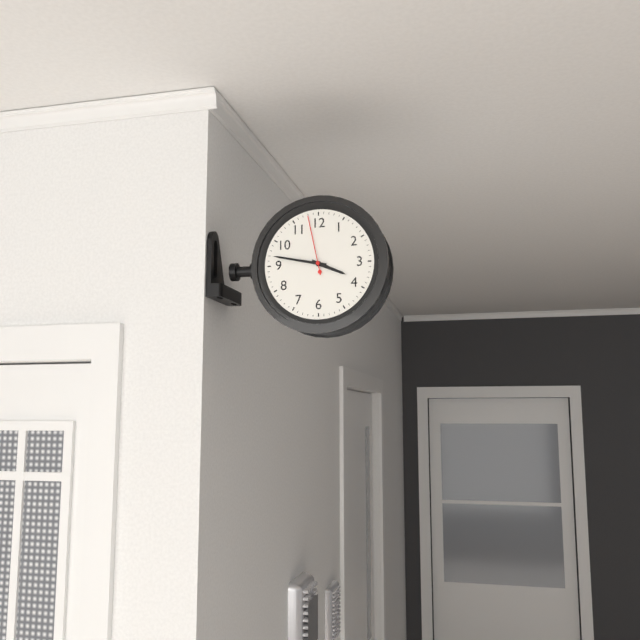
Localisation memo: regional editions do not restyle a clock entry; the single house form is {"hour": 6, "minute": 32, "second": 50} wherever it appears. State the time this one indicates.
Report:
{"hour": 3, "minute": 47, "second": 58}
